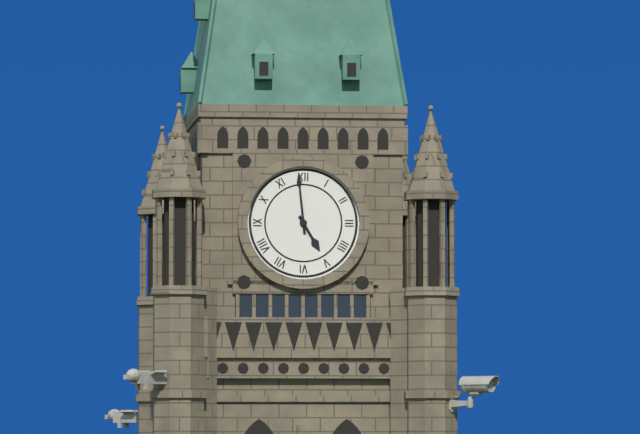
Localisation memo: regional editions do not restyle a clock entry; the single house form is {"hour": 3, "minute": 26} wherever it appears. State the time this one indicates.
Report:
{"hour": 4, "minute": 59}
